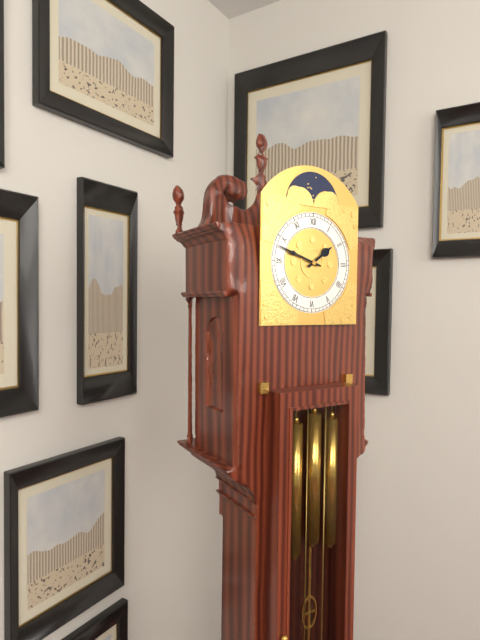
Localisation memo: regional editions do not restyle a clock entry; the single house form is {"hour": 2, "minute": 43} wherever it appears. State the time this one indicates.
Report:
{"hour": 1, "minute": 48}
